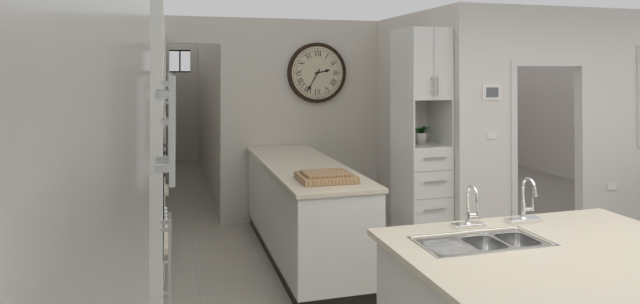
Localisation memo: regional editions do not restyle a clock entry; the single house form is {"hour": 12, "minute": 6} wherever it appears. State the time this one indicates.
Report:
{"hour": 2, "minute": 35}
